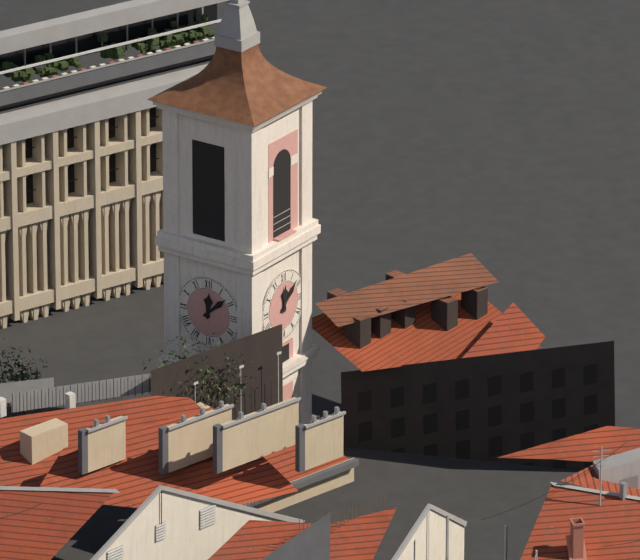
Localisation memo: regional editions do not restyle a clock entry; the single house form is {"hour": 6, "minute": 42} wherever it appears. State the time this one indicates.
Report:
{"hour": 12, "minute": 8}
